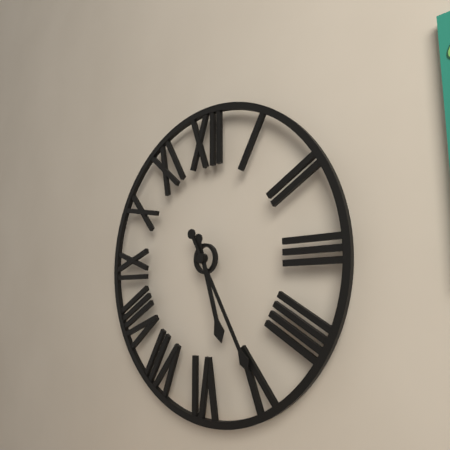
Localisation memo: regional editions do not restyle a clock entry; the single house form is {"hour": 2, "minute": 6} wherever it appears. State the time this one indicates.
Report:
{"hour": 5, "minute": 25}
